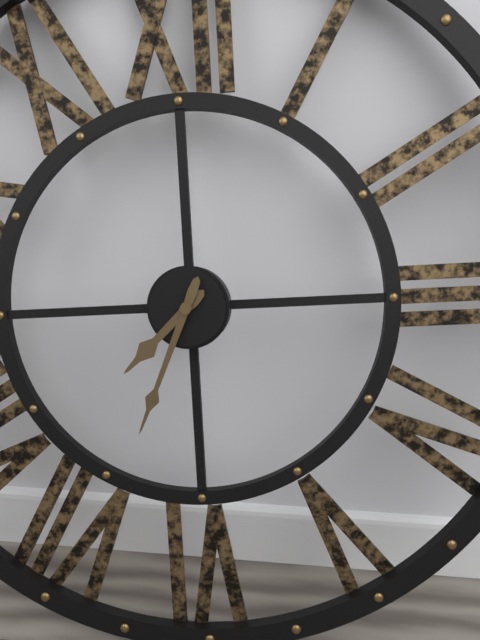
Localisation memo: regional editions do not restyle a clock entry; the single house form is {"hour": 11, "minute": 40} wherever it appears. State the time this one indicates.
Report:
{"hour": 7, "minute": 34}
